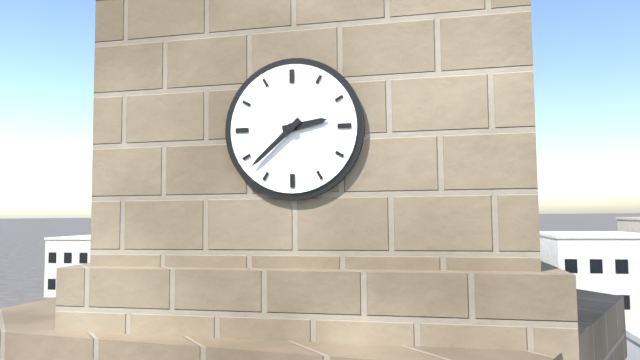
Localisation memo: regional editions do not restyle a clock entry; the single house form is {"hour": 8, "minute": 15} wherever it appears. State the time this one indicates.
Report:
{"hour": 2, "minute": 38}
